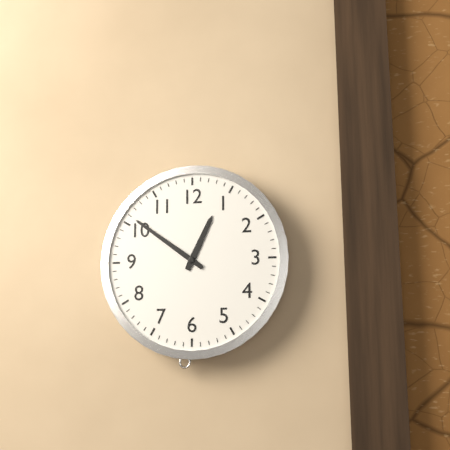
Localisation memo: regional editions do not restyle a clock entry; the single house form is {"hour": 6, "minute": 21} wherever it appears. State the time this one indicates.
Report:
{"hour": 12, "minute": 51}
